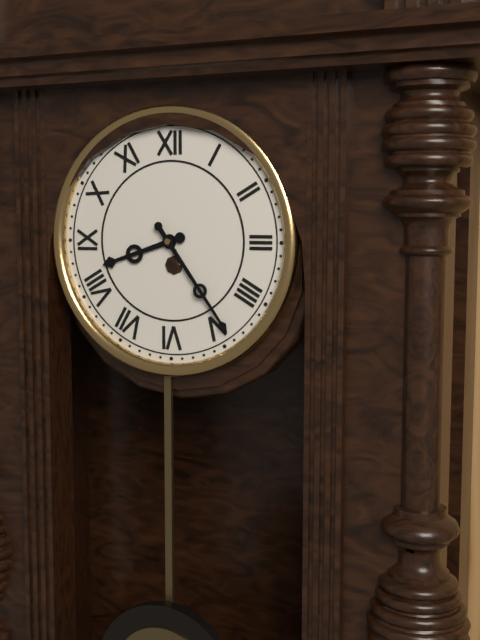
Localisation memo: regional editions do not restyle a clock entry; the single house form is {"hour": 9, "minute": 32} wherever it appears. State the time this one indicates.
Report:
{"hour": 8, "minute": 24}
